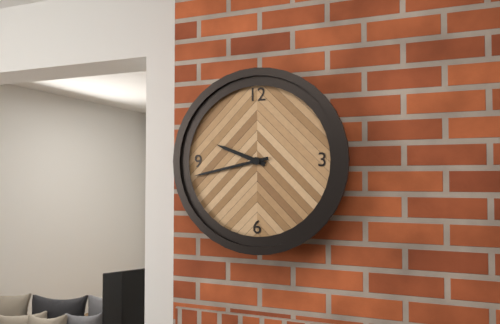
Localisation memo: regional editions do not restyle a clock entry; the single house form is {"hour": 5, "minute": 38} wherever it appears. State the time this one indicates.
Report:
{"hour": 9, "minute": 43}
